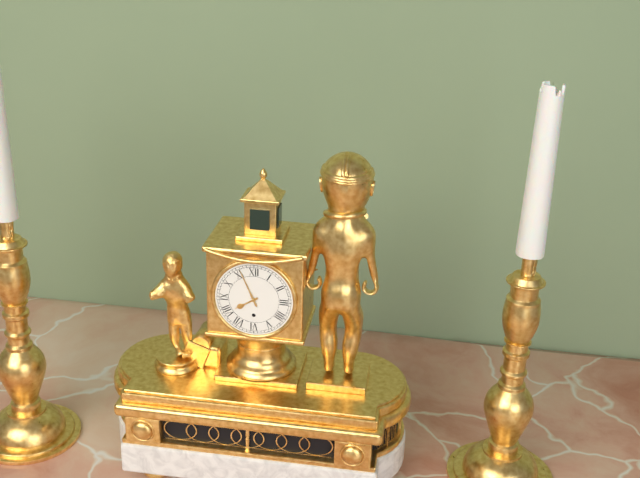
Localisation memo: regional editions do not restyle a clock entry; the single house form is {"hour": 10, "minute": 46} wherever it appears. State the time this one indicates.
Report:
{"hour": 7, "minute": 56}
